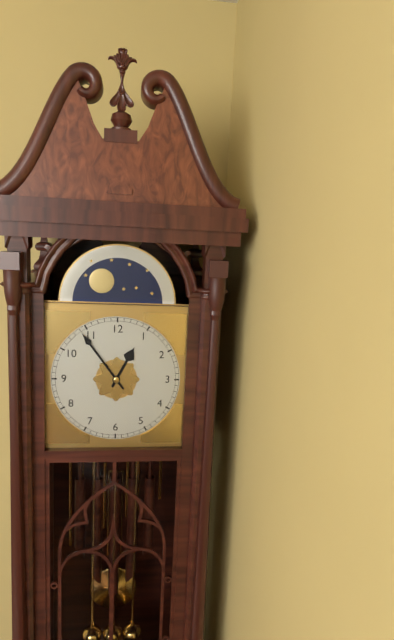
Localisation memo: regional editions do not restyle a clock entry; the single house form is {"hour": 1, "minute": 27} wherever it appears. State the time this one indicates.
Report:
{"hour": 12, "minute": 54}
